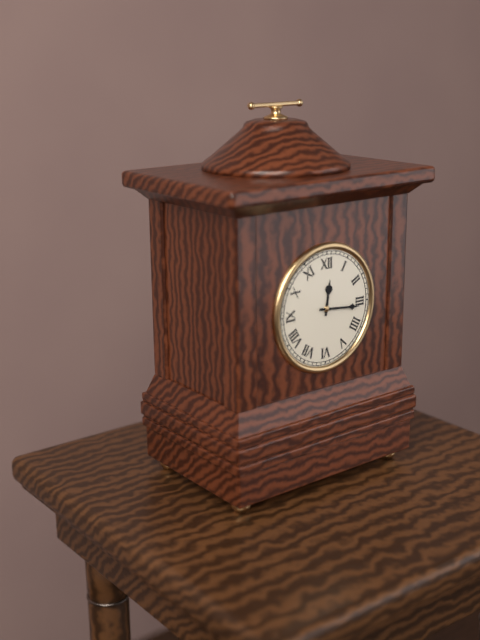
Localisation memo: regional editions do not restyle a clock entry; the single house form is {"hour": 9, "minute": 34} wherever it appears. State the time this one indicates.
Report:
{"hour": 12, "minute": 16}
